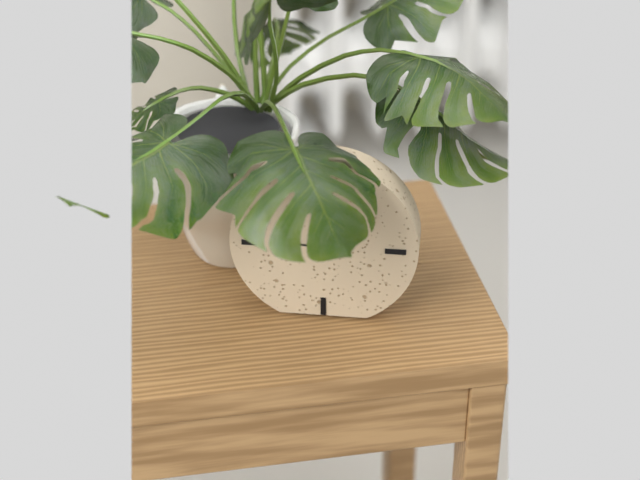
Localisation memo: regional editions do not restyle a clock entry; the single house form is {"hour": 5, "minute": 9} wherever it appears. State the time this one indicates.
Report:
{"hour": 2, "minute": 46}
